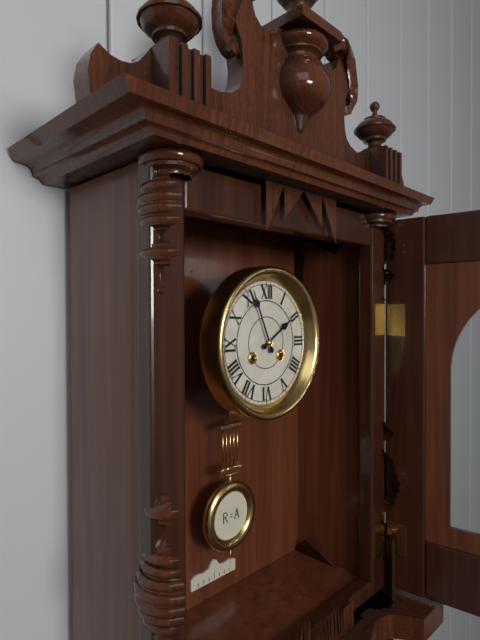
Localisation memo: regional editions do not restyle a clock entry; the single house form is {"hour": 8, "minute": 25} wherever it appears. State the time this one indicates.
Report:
{"hour": 1, "minute": 56}
